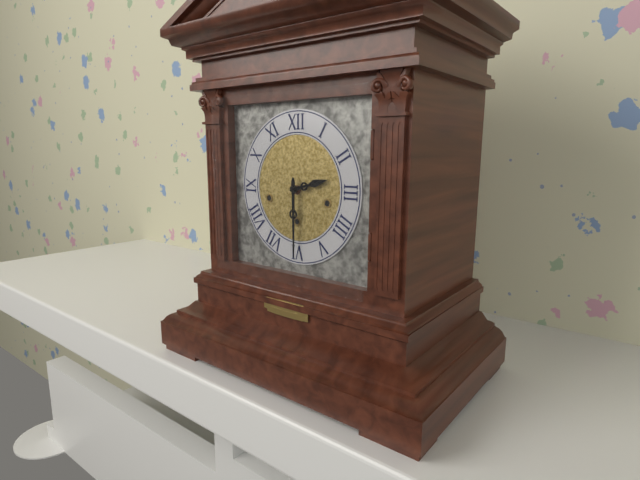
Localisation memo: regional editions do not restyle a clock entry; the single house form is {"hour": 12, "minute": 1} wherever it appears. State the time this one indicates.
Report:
{"hour": 2, "minute": 30}
